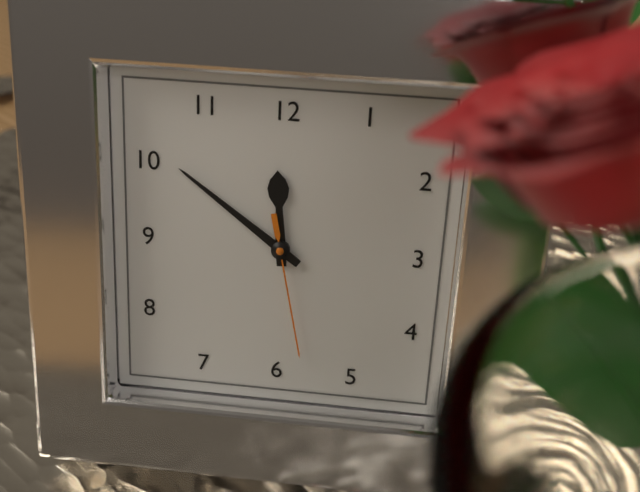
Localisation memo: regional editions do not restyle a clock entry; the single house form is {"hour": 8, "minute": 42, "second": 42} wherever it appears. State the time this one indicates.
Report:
{"hour": 11, "minute": 51, "second": 28}
